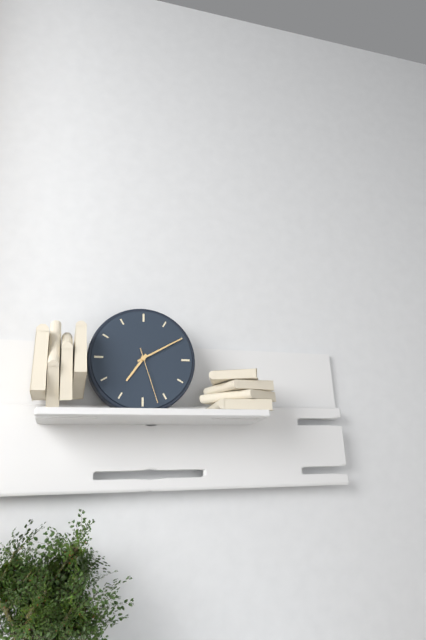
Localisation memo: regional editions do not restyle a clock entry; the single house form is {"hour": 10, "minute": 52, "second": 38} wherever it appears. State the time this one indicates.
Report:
{"hour": 7, "minute": 10, "second": 27}
